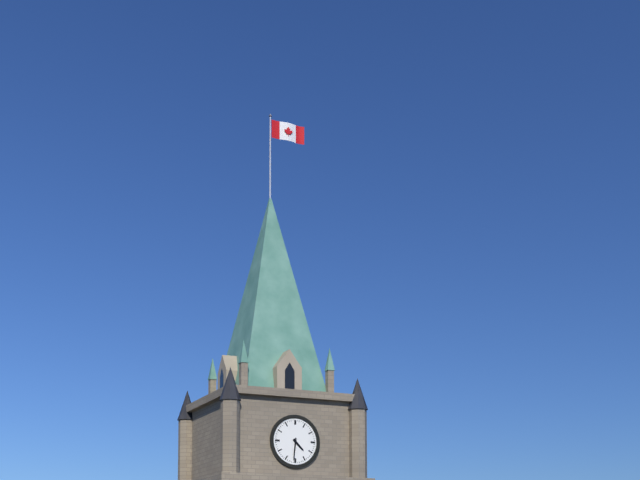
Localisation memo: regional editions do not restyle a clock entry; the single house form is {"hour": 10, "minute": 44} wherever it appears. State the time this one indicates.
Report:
{"hour": 4, "minute": 31}
